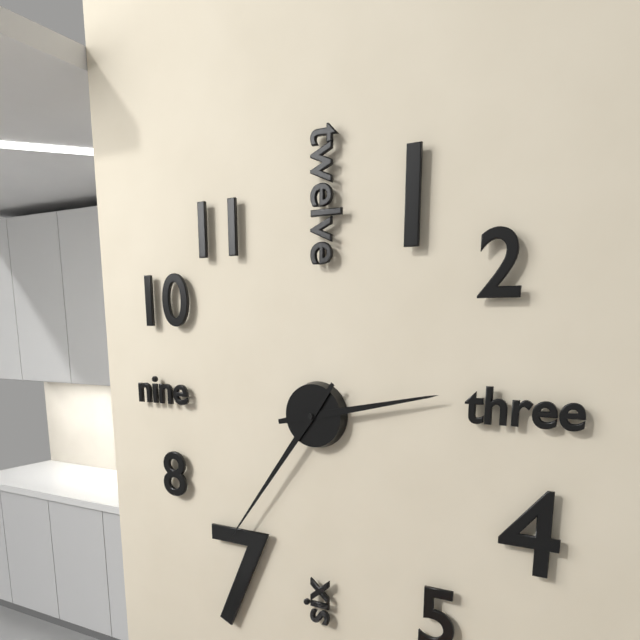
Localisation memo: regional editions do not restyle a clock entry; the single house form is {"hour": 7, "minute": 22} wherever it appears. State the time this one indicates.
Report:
{"hour": 2, "minute": 36}
